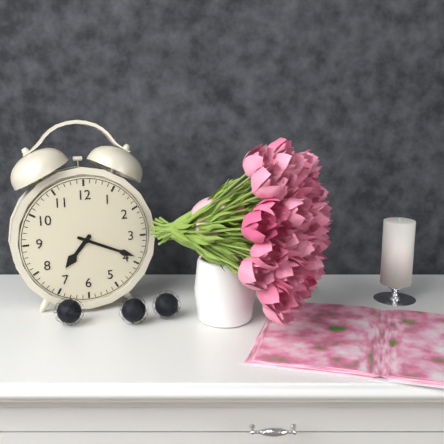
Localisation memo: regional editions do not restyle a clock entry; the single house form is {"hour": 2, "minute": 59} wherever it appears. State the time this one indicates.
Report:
{"hour": 7, "minute": 19}
